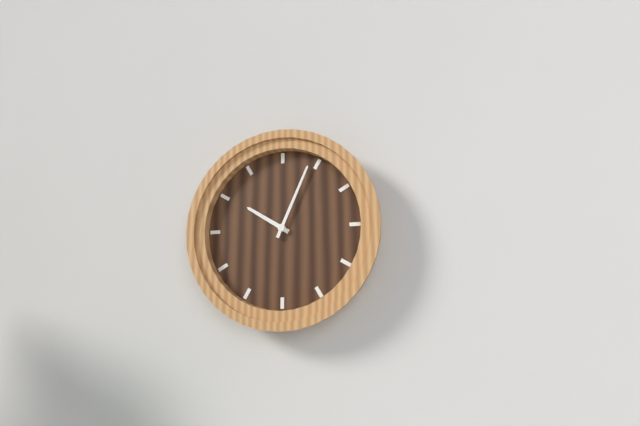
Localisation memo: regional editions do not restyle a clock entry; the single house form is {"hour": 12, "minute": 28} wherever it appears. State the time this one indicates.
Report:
{"hour": 10, "minute": 4}
